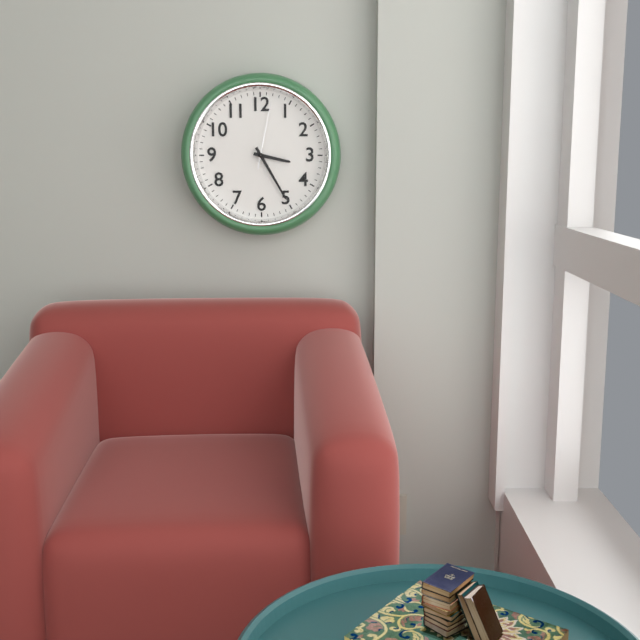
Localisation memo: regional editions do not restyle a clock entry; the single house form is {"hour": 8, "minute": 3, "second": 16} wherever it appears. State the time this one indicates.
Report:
{"hour": 3, "minute": 25, "second": 2}
